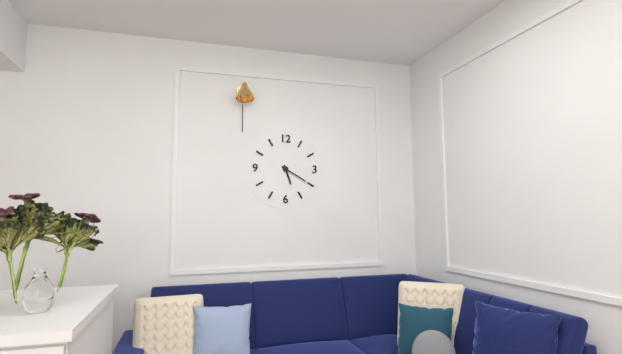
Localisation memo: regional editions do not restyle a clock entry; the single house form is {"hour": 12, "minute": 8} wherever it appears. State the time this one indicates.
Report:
{"hour": 5, "minute": 20}
